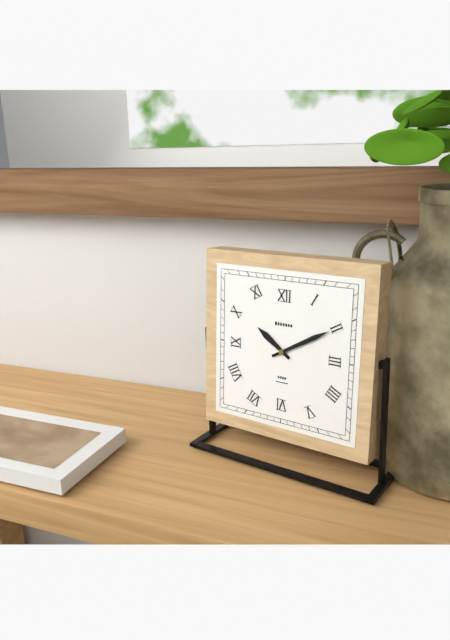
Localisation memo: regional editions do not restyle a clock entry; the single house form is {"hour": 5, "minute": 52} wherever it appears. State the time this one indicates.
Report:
{"hour": 10, "minute": 10}
